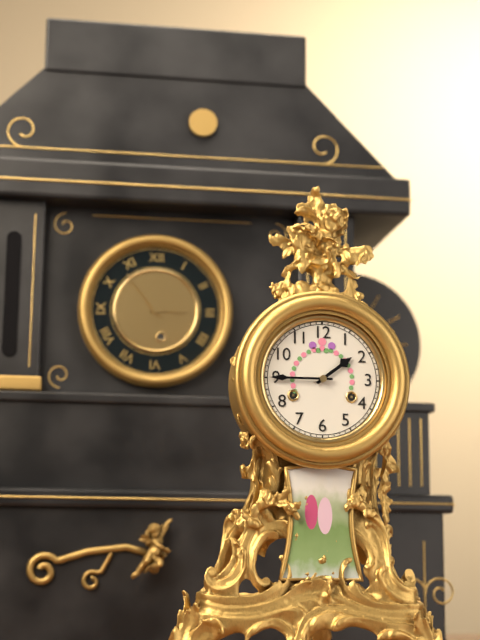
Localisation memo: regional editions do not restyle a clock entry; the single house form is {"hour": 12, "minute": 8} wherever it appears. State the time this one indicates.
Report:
{"hour": 1, "minute": 45}
